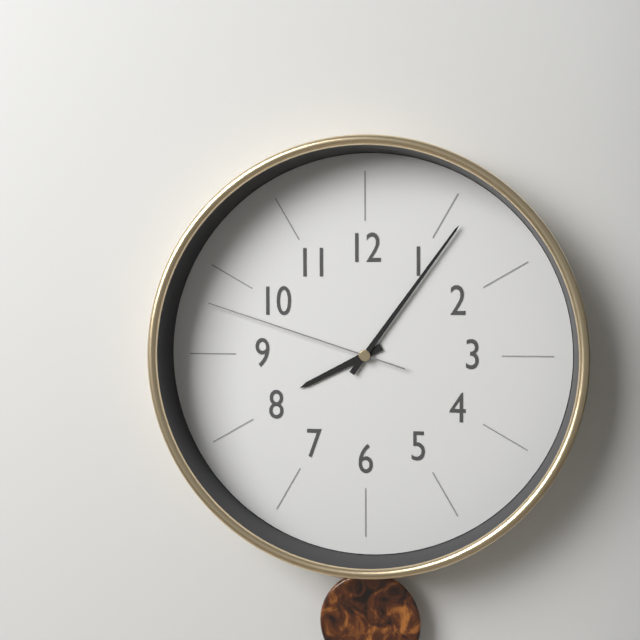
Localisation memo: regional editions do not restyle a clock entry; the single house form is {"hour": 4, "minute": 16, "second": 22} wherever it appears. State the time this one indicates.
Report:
{"hour": 8, "minute": 6, "second": 48}
